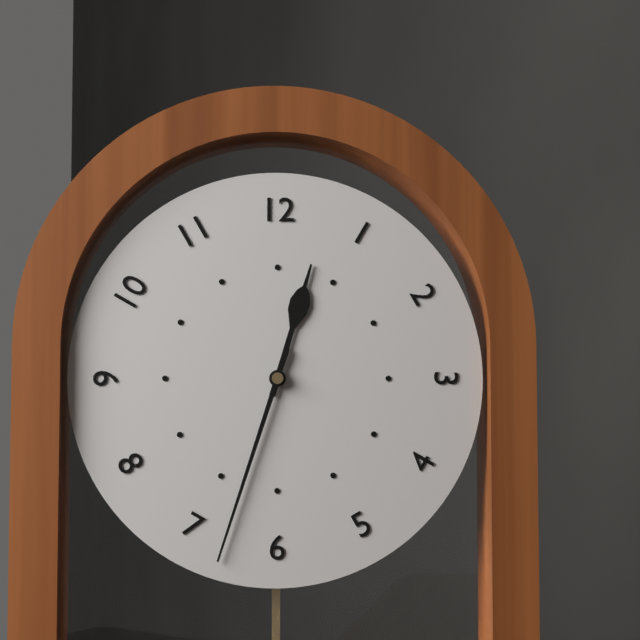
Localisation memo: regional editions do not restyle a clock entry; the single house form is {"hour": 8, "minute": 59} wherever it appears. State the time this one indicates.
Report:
{"hour": 12, "minute": 33}
